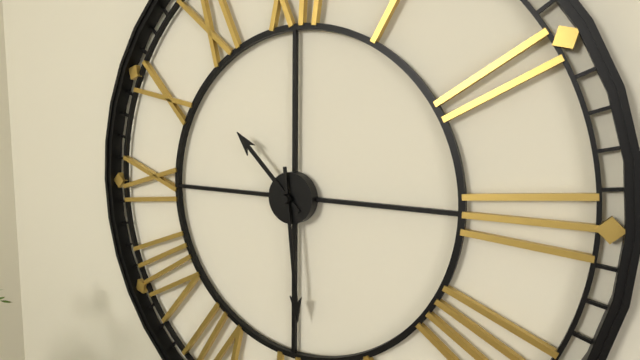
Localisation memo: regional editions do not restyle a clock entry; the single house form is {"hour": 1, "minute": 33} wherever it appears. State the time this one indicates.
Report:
{"hour": 10, "minute": 29}
